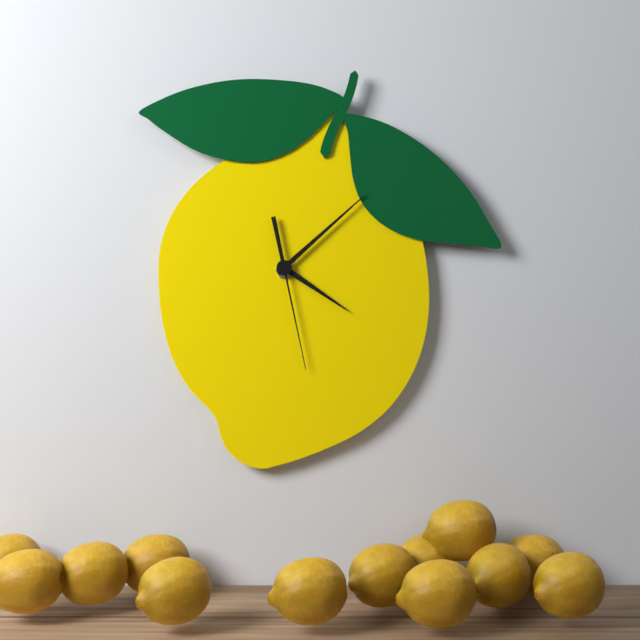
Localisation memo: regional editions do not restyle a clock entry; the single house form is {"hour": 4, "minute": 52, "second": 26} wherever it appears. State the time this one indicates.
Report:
{"hour": 4, "minute": 8, "second": 28}
